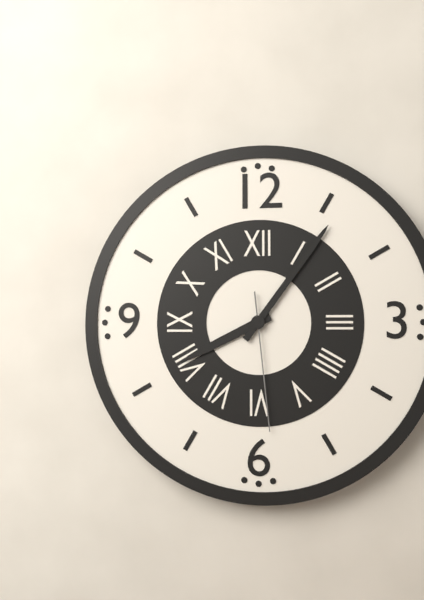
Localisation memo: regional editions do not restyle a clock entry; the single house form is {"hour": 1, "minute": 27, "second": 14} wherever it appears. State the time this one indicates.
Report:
{"hour": 8, "minute": 6, "second": 29}
